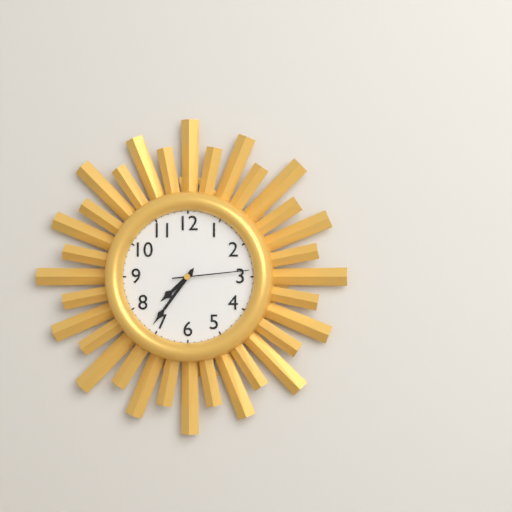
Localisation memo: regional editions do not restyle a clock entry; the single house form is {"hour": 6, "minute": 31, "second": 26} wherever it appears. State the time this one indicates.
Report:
{"hour": 7, "minute": 36, "second": 14}
